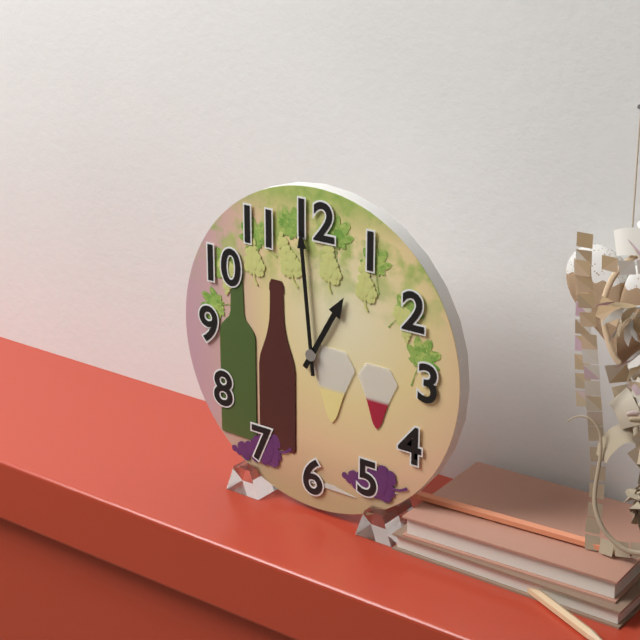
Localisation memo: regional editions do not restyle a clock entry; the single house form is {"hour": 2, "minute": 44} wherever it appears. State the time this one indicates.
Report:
{"hour": 12, "minute": 59}
